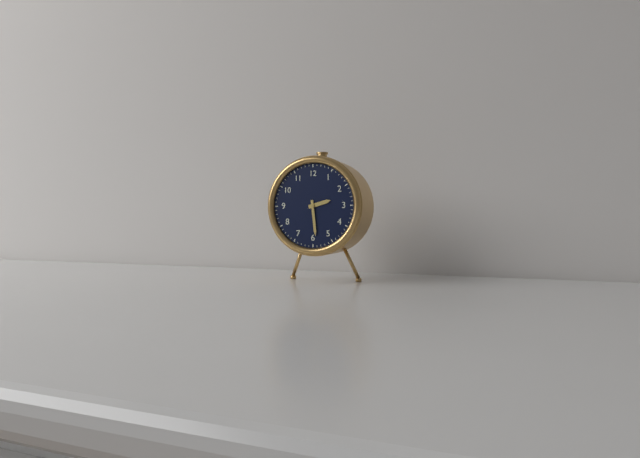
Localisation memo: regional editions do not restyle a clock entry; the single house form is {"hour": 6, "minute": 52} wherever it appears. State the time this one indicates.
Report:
{"hour": 2, "minute": 29}
